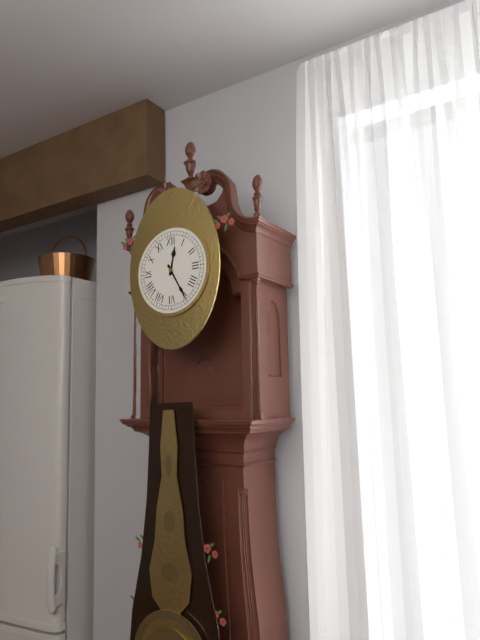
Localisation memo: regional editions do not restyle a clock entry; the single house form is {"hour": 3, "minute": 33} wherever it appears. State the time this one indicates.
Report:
{"hour": 12, "minute": 25}
